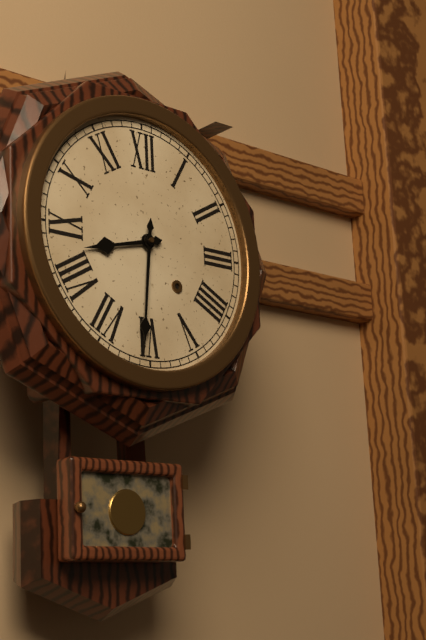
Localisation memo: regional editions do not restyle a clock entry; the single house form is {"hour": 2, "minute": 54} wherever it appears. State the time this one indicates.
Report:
{"hour": 8, "minute": 31}
